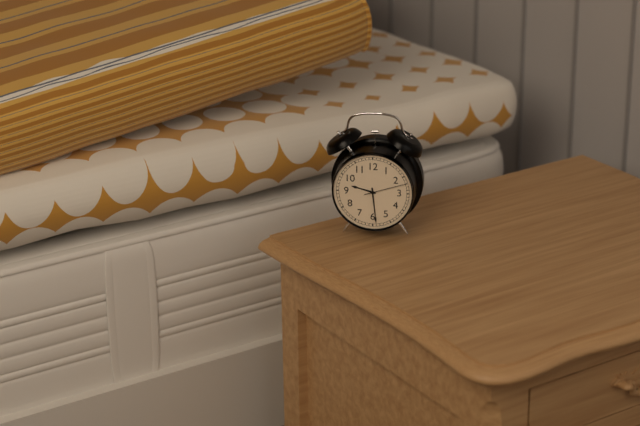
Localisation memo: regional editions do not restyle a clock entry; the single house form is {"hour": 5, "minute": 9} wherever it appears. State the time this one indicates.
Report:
{"hour": 9, "minute": 29}
